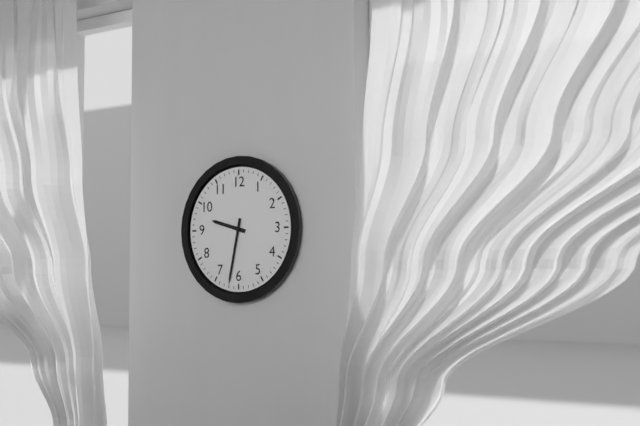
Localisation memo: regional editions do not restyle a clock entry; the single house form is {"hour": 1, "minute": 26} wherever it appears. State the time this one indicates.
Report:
{"hour": 9, "minute": 32}
